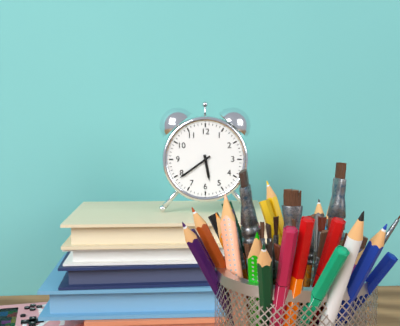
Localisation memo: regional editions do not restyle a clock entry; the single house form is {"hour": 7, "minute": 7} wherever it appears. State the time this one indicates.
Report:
{"hour": 5, "minute": 39}
